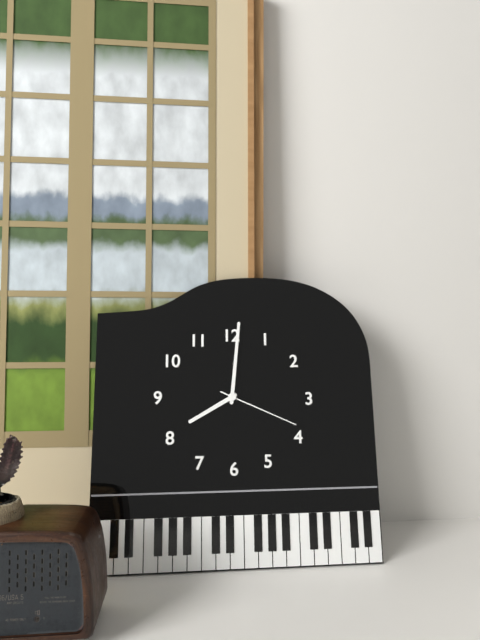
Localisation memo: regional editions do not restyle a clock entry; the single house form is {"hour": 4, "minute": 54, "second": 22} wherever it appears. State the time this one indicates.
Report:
{"hour": 8, "minute": 1, "second": 19}
